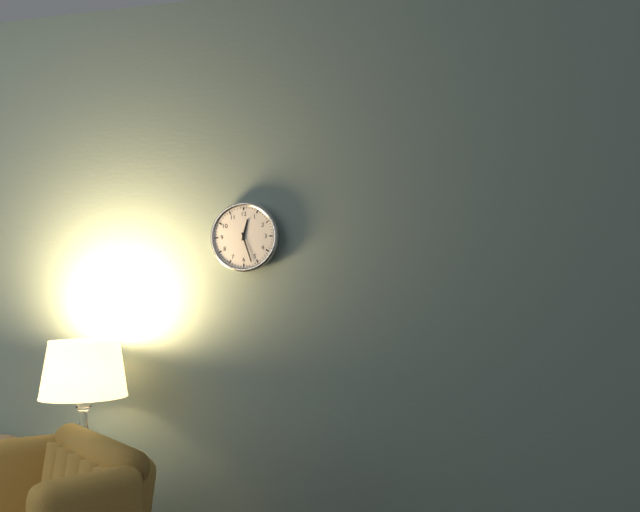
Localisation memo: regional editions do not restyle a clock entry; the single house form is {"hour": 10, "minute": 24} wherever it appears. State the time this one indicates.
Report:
{"hour": 12, "minute": 27}
